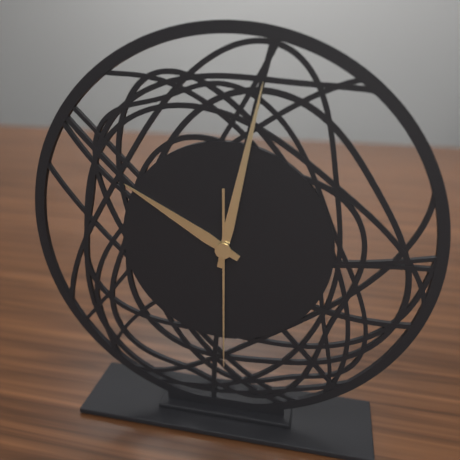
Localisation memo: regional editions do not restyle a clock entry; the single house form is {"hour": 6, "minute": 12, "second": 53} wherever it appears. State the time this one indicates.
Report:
{"hour": 10, "minute": 2, "second": 30}
